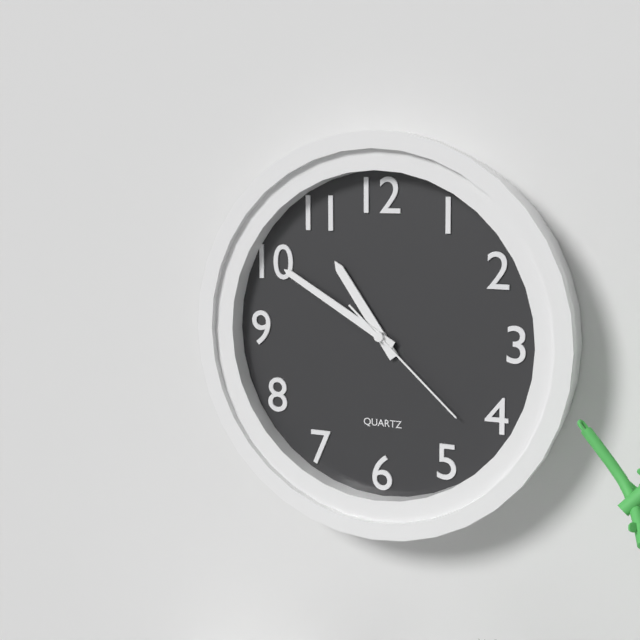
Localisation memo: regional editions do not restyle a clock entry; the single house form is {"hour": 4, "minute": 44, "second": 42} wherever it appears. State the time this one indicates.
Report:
{"hour": 10, "minute": 50, "second": 22}
